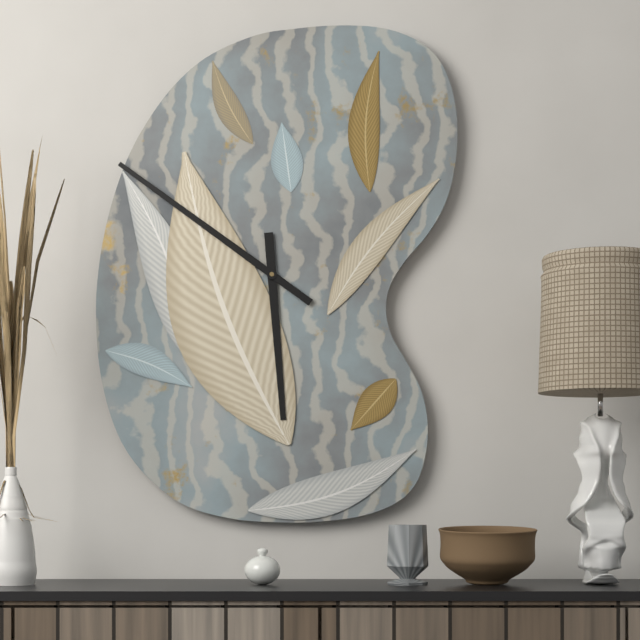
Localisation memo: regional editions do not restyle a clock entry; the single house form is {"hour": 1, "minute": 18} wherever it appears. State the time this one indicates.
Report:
{"hour": 5, "minute": 51}
